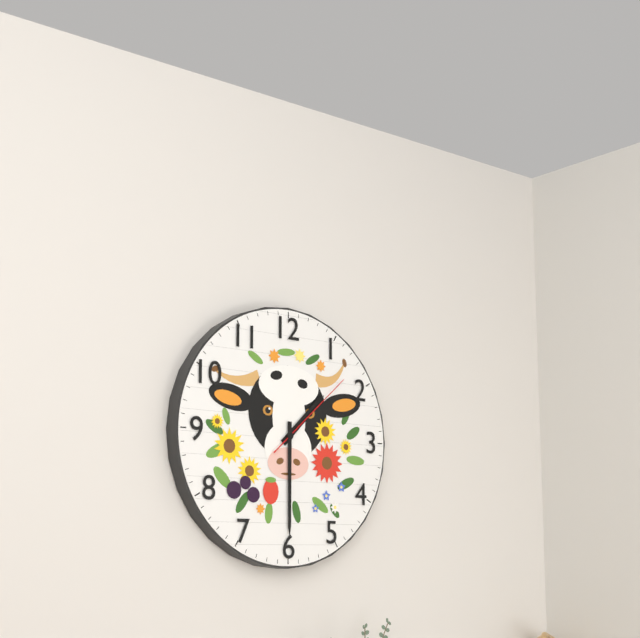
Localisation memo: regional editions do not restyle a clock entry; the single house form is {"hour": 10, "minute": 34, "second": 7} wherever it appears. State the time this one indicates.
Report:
{"hour": 1, "minute": 30, "second": 8}
